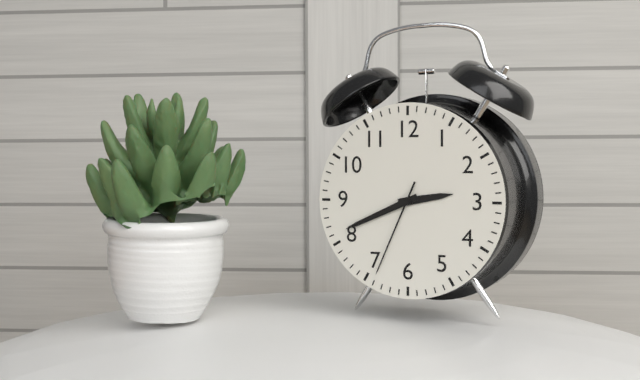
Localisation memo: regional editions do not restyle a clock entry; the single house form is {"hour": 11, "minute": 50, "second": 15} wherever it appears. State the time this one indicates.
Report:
{"hour": 2, "minute": 41, "second": 34}
